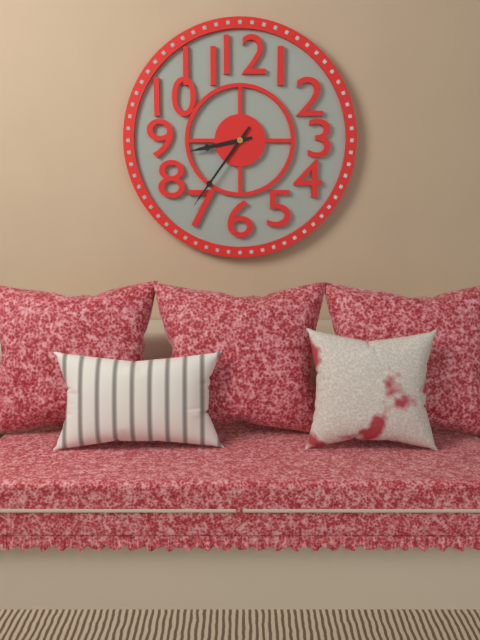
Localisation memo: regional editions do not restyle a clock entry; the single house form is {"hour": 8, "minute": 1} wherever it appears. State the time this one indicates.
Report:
{"hour": 8, "minute": 36}
